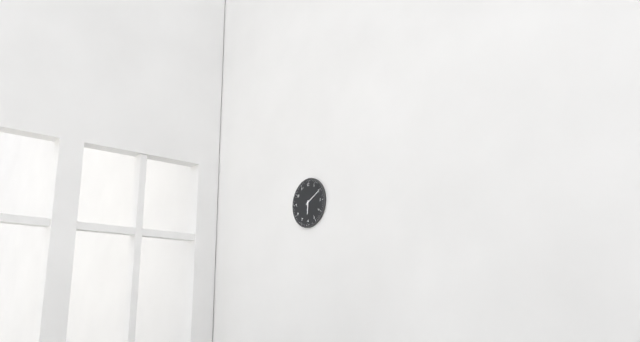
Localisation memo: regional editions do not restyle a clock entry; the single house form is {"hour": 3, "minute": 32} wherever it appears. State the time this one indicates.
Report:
{"hour": 6, "minute": 10}
